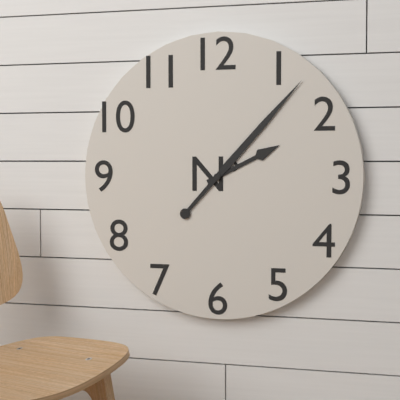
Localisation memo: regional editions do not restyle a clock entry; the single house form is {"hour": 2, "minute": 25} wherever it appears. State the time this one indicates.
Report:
{"hour": 2, "minute": 7}
